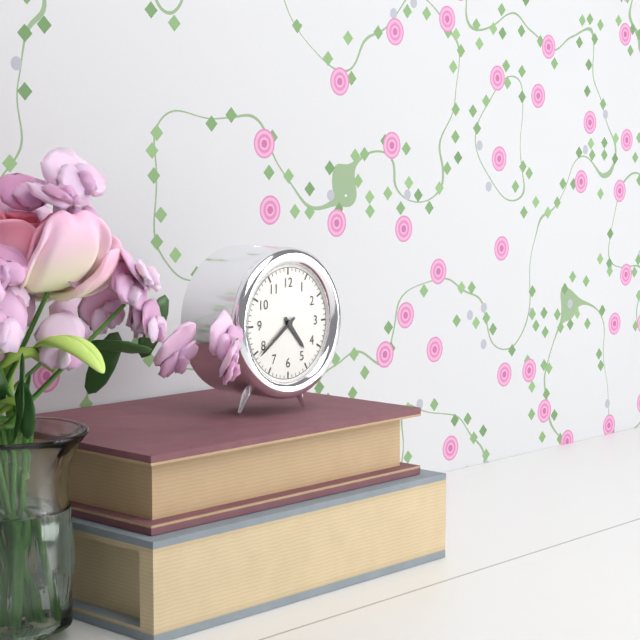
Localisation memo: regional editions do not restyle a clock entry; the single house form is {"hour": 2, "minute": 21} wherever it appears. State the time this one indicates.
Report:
{"hour": 4, "minute": 39}
